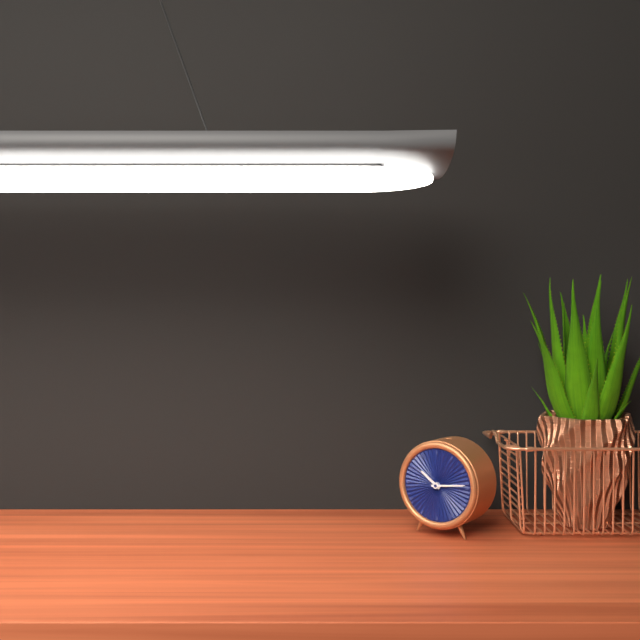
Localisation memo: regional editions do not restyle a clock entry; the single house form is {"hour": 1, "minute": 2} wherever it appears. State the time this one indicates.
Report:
{"hour": 10, "minute": 14}
